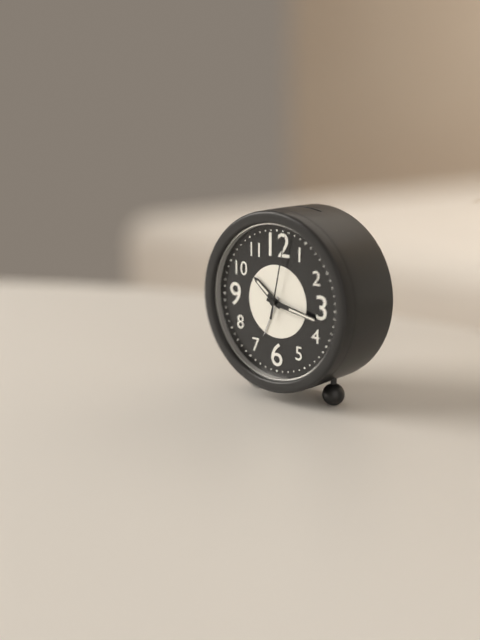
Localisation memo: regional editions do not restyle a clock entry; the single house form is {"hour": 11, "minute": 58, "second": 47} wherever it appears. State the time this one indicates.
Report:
{"hour": 10, "minute": 17, "second": 2}
